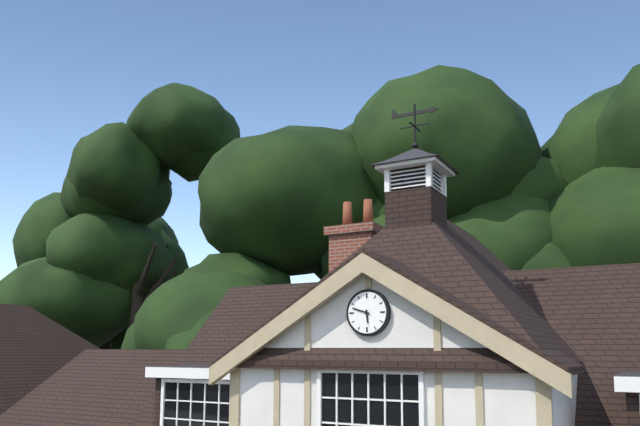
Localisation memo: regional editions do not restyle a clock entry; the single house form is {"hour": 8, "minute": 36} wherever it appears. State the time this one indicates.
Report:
{"hour": 5, "minute": 48}
